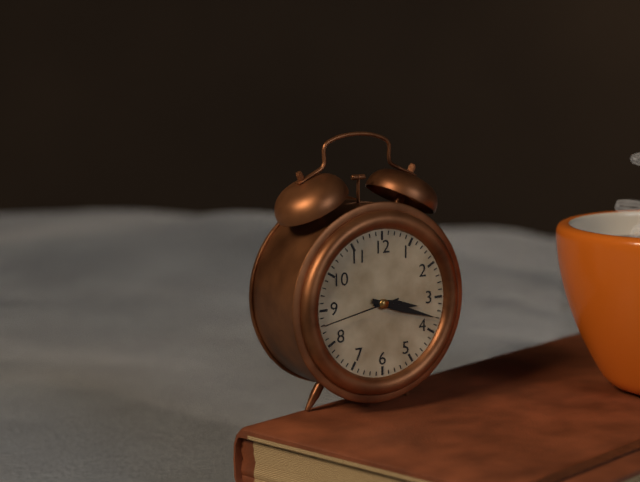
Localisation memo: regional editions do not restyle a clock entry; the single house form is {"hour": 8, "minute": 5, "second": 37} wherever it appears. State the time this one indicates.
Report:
{"hour": 3, "minute": 18, "second": 43}
